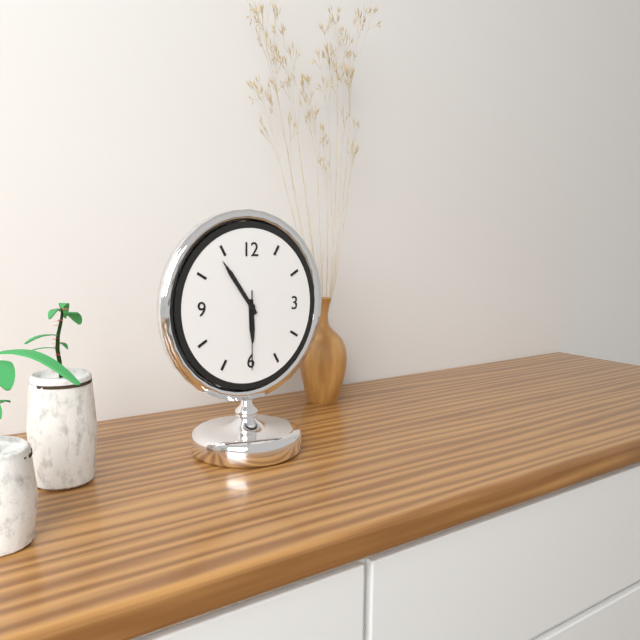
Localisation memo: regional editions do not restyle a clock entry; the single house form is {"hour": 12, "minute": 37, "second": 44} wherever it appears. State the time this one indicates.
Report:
{"hour": 5, "minute": 54, "second": 30}
